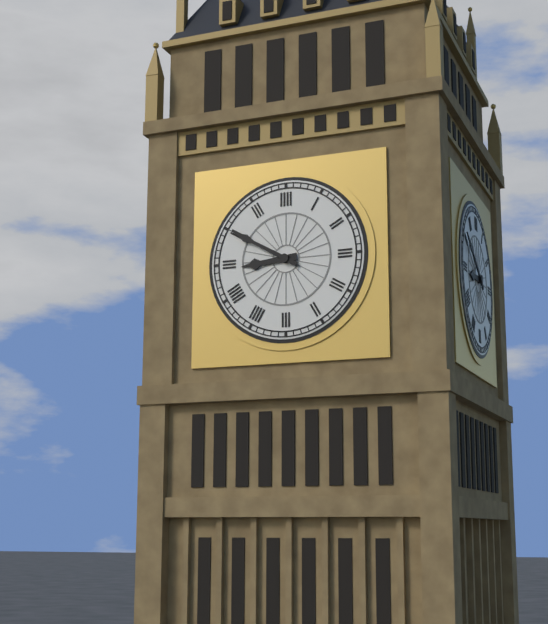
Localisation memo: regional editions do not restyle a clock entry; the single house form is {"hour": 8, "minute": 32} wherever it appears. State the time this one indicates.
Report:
{"hour": 8, "minute": 50}
